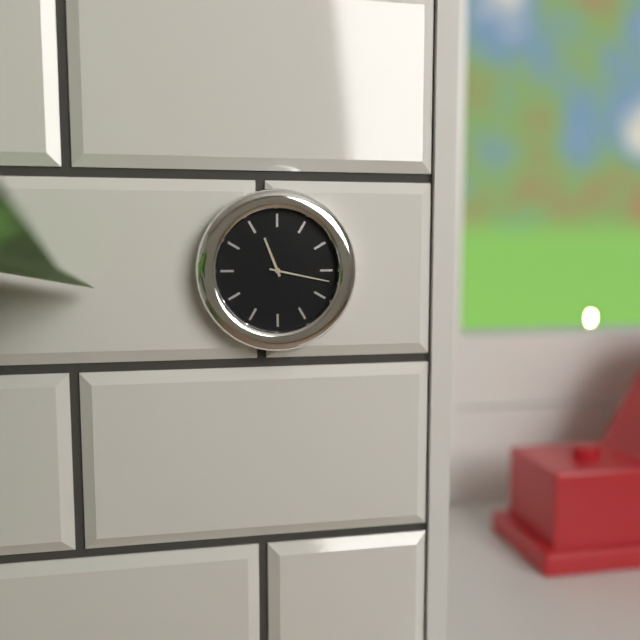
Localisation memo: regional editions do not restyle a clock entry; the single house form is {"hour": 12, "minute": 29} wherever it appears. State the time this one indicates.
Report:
{"hour": 11, "minute": 17}
